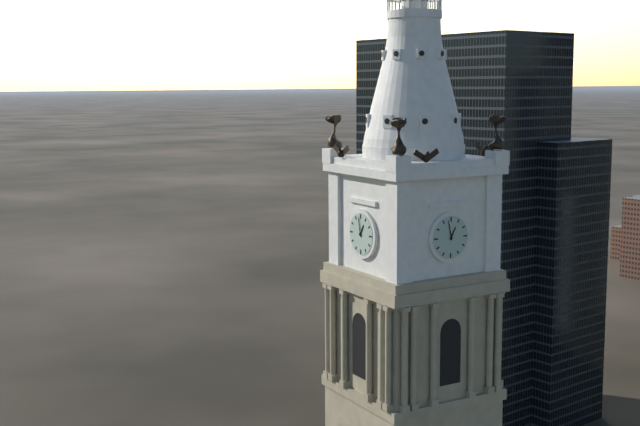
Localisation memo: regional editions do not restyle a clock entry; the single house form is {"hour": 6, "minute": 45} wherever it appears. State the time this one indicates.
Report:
{"hour": 12, "minute": 58}
